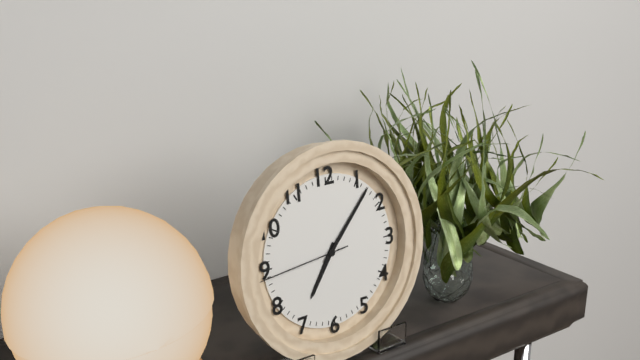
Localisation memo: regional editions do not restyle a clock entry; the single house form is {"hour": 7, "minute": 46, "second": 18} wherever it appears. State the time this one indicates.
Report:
{"hour": 7, "minute": 7, "second": 44}
